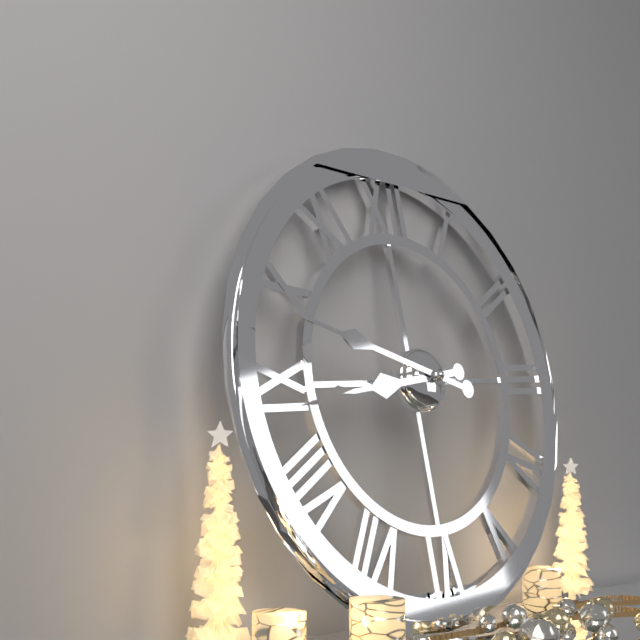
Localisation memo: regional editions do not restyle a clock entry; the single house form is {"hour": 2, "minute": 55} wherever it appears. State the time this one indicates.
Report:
{"hour": 8, "minute": 48}
